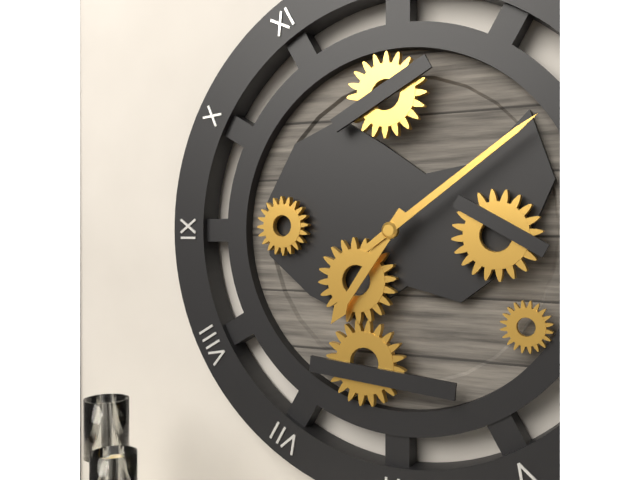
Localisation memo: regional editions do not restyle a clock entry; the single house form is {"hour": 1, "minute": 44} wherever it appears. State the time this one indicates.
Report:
{"hour": 7, "minute": 9}
